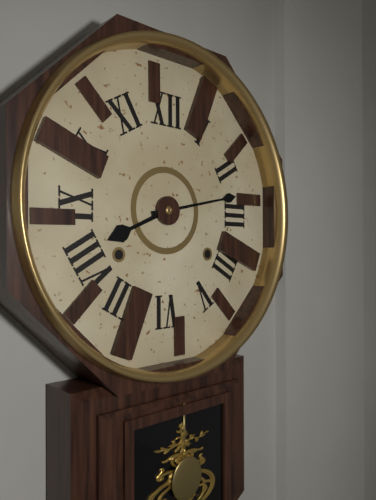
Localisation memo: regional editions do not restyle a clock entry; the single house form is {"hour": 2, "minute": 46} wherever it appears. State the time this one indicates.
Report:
{"hour": 8, "minute": 13}
